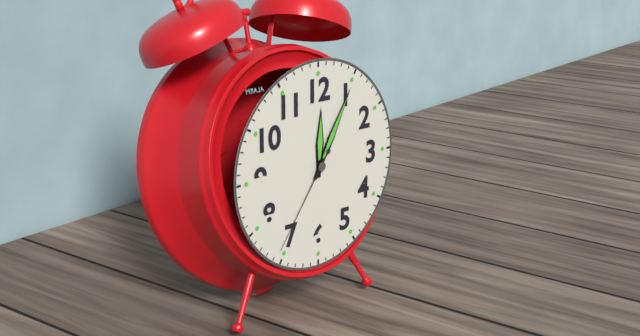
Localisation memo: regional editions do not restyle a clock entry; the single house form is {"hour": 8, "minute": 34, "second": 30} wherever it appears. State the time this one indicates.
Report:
{"hour": 12, "minute": 5, "second": 36}
